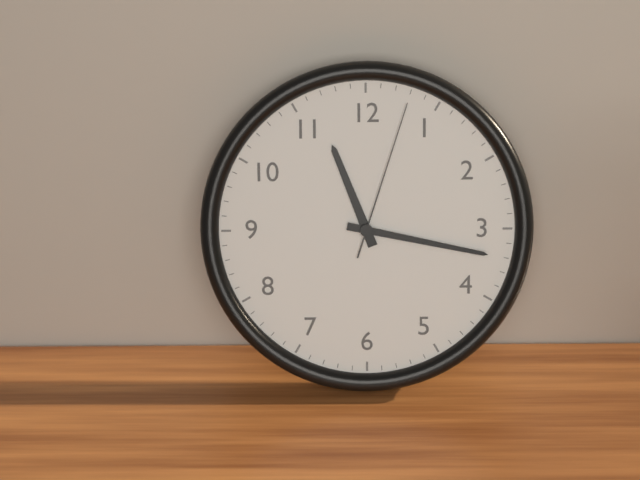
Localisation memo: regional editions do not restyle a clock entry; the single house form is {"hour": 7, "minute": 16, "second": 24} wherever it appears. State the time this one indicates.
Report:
{"hour": 11, "minute": 17, "second": 3}
